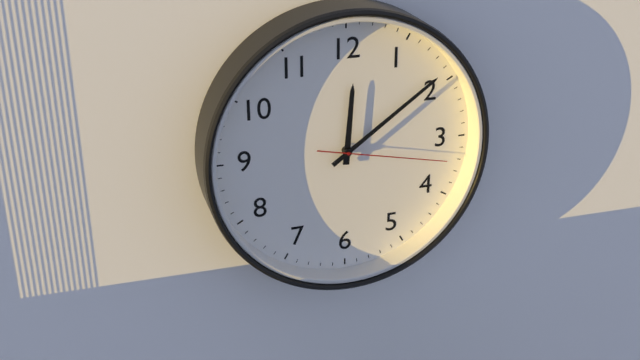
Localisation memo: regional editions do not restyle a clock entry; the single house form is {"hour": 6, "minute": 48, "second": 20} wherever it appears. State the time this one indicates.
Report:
{"hour": 12, "minute": 9, "second": 17}
